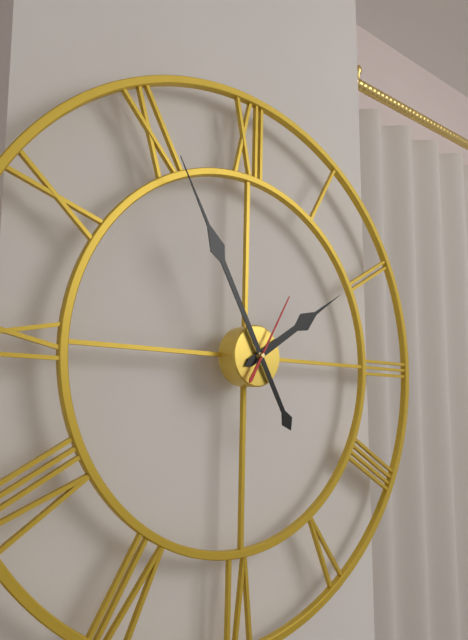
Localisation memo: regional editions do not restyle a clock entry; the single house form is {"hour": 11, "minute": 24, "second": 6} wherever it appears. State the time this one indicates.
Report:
{"hour": 1, "minute": 55, "second": 5}
